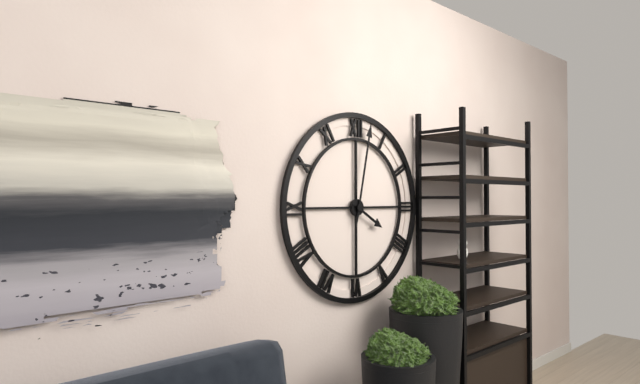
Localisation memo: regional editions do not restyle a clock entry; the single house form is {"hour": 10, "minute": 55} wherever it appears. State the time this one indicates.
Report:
{"hour": 4, "minute": 2}
